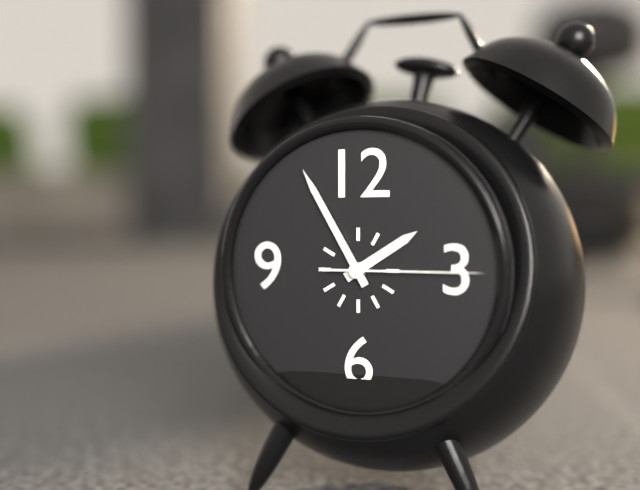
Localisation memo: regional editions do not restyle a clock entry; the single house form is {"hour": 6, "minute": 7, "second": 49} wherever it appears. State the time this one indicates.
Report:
{"hour": 1, "minute": 55, "second": 15}
